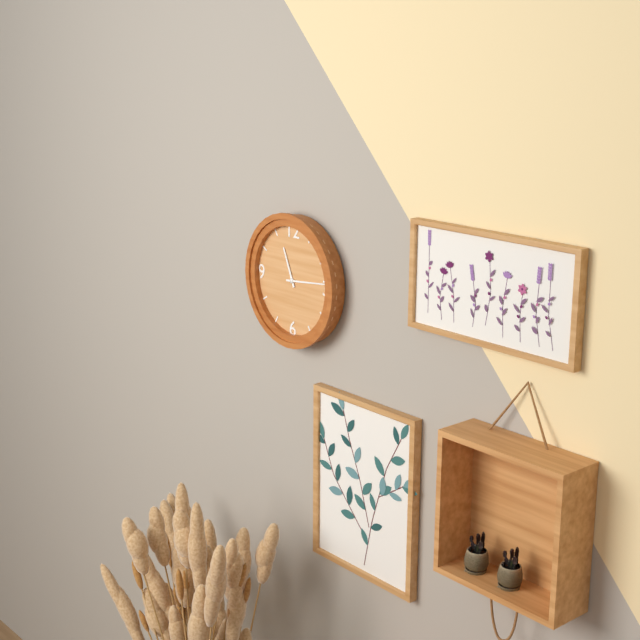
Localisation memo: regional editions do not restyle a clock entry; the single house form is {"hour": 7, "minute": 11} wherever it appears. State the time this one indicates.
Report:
{"hour": 11, "minute": 14}
